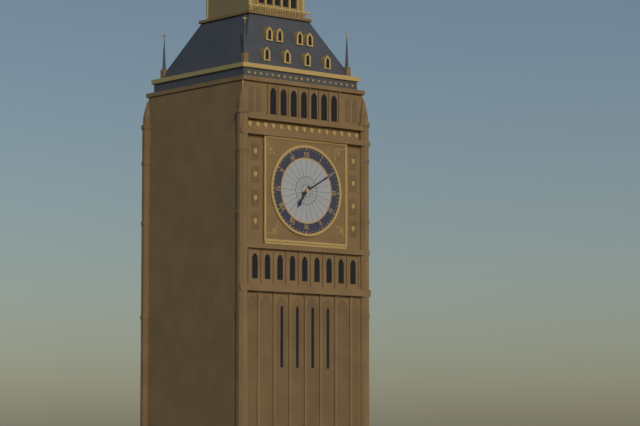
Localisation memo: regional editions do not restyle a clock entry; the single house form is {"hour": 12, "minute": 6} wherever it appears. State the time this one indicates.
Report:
{"hour": 7, "minute": 10}
